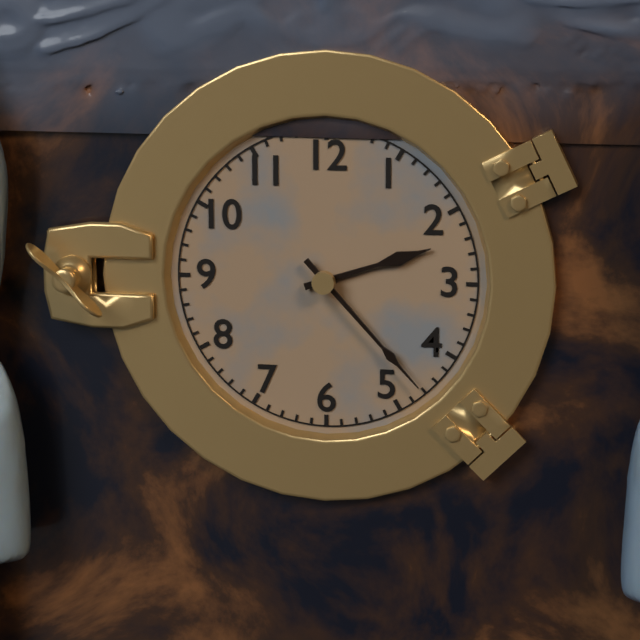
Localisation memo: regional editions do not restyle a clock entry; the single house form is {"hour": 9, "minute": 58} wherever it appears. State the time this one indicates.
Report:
{"hour": 2, "minute": 23}
